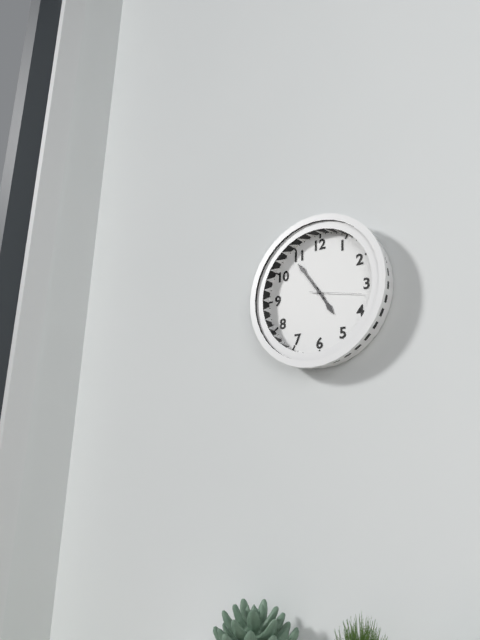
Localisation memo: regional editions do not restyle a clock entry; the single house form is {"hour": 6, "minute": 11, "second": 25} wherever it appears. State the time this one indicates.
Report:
{"hour": 4, "minute": 54, "second": 17}
